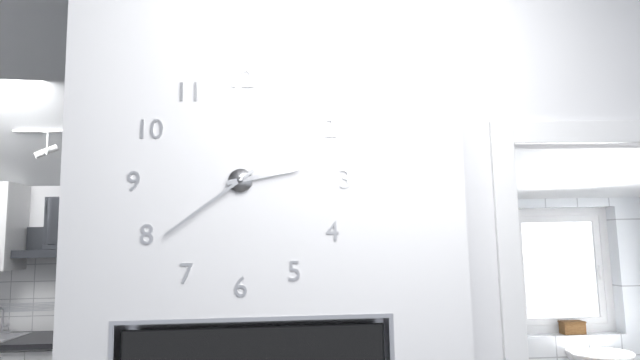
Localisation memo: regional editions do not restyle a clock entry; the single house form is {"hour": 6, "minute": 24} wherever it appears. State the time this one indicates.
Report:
{"hour": 2, "minute": 39}
